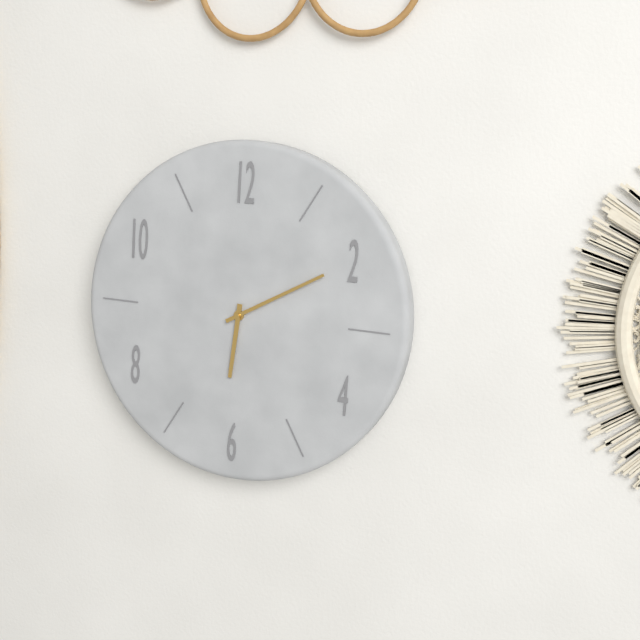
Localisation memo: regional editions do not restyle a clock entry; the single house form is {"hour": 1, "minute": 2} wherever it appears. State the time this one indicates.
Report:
{"hour": 6, "minute": 10}
